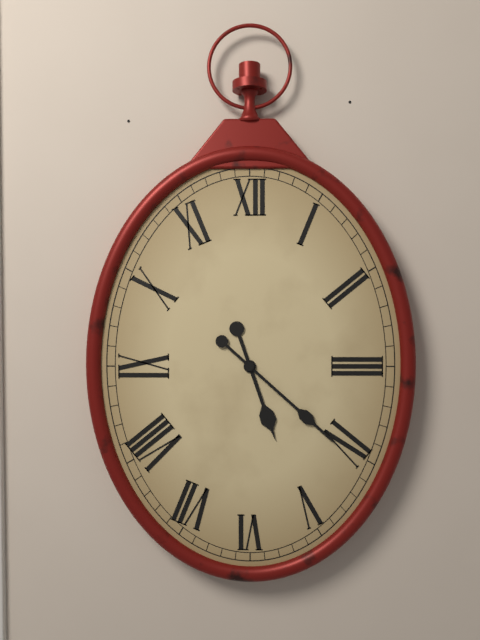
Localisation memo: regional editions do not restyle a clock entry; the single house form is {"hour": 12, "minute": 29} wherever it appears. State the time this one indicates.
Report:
{"hour": 5, "minute": 22}
